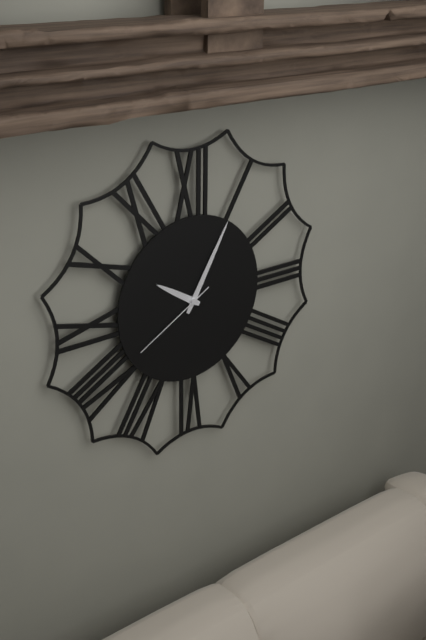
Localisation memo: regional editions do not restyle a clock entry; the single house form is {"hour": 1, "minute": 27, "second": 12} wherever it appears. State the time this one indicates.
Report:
{"hour": 10, "minute": 5, "second": 40}
